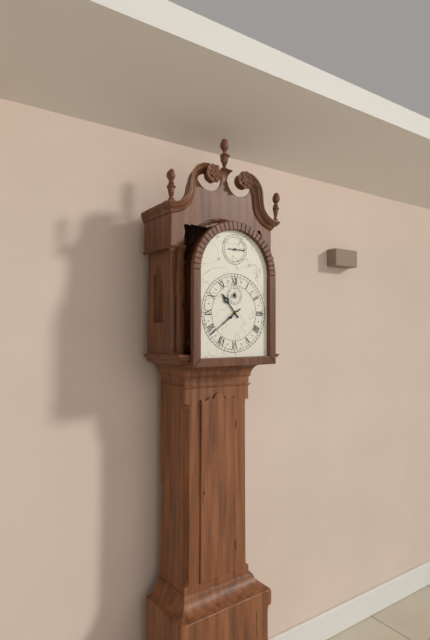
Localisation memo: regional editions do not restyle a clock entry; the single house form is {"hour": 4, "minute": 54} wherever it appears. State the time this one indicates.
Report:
{"hour": 10, "minute": 39}
